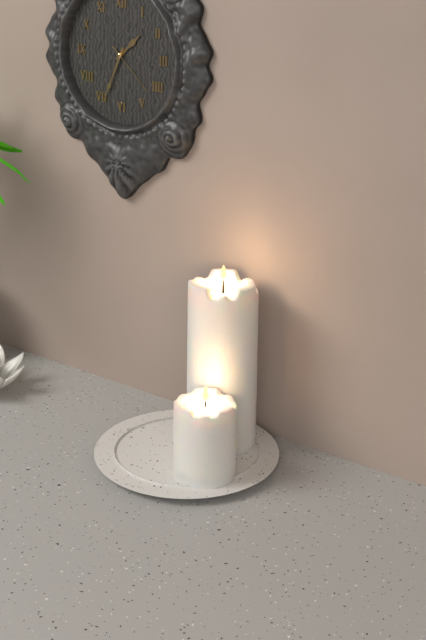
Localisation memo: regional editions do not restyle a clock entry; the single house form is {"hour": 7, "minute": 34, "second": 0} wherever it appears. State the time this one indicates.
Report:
{"hour": 1, "minute": 34, "second": 22}
